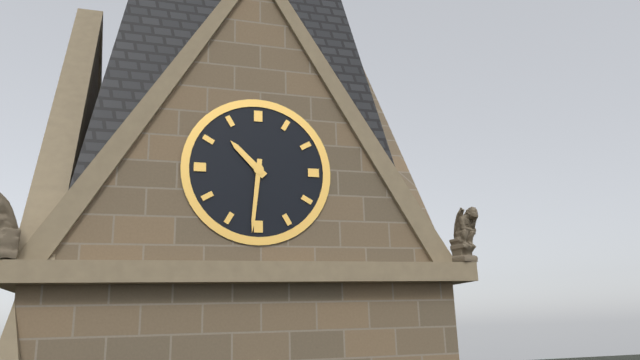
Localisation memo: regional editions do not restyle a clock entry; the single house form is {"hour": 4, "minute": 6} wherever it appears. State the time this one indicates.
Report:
{"hour": 10, "minute": 31}
